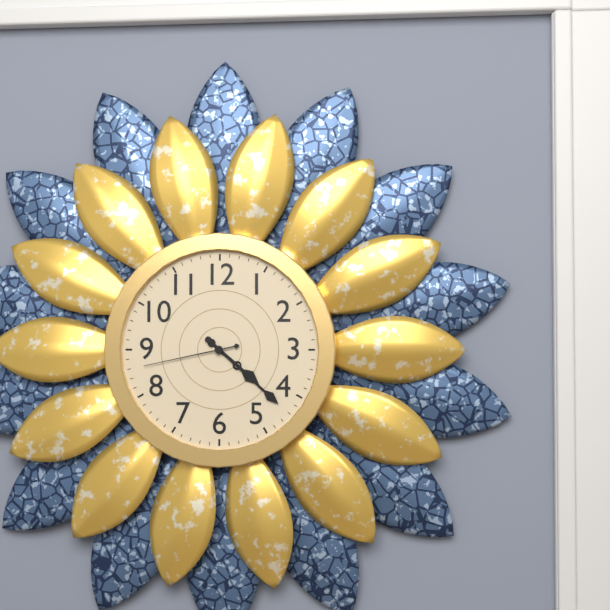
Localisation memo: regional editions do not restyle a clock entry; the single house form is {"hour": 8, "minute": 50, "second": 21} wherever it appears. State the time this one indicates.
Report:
{"hour": 4, "minute": 22, "second": 43}
